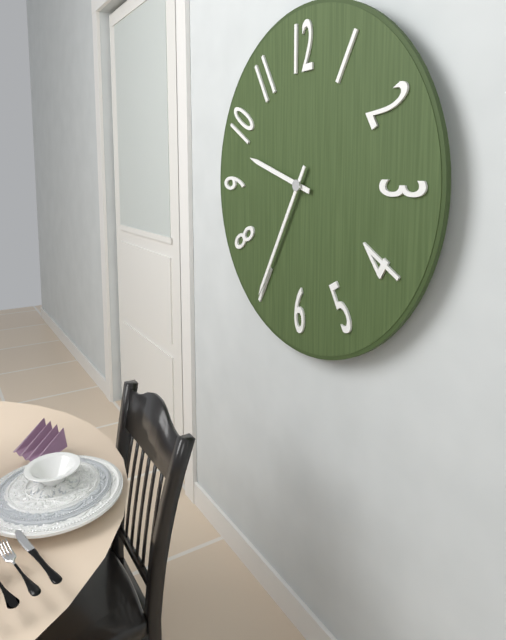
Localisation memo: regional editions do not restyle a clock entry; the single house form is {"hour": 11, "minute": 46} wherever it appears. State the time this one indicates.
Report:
{"hour": 9, "minute": 35}
